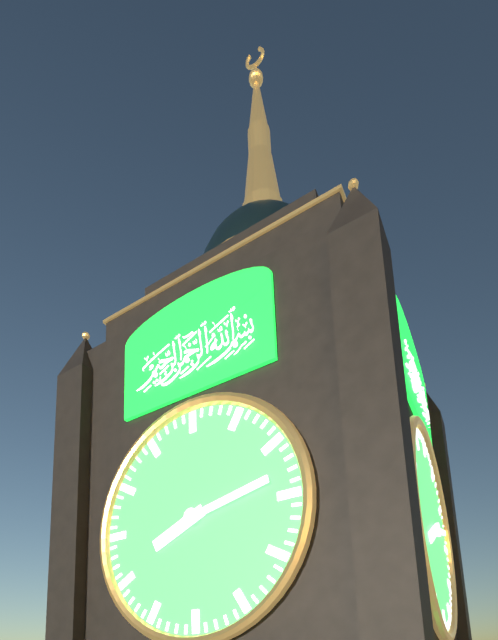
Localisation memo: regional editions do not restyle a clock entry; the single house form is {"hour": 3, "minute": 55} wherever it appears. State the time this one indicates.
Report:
{"hour": 8, "minute": 13}
